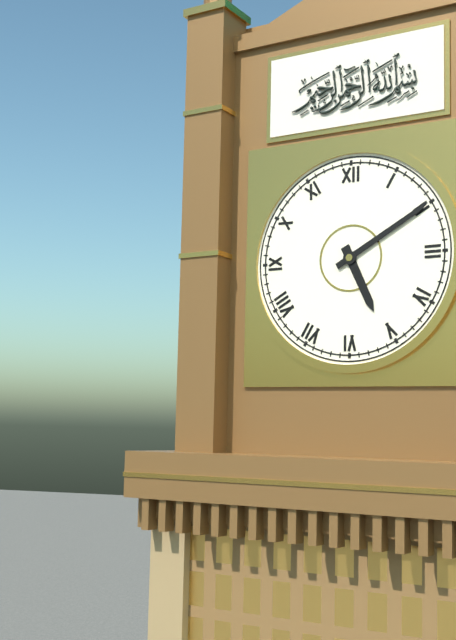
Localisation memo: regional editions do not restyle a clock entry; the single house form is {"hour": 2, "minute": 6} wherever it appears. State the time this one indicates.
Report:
{"hour": 5, "minute": 10}
